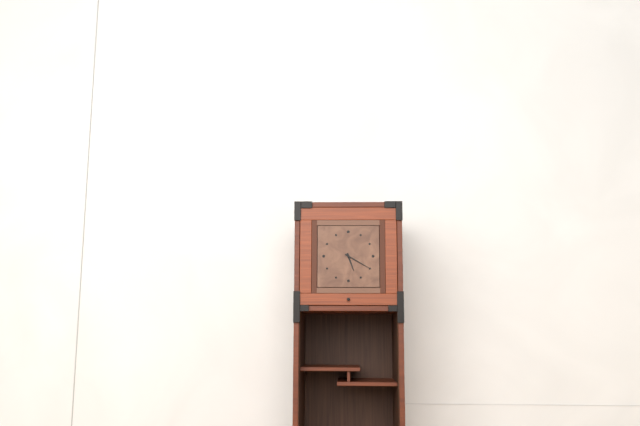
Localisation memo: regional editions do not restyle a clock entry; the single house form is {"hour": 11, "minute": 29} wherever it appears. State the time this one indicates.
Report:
{"hour": 5, "minute": 20}
